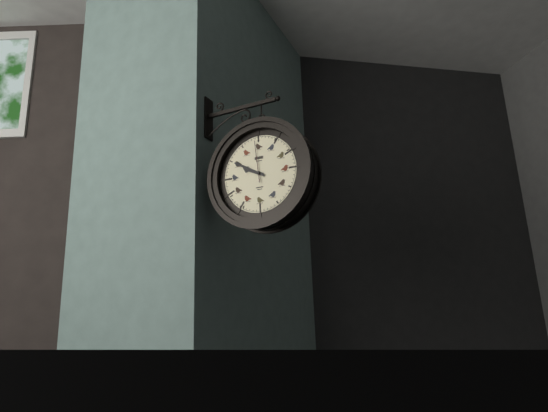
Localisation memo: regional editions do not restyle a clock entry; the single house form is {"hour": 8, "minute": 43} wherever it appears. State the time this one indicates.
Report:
{"hour": 9, "minute": 50}
